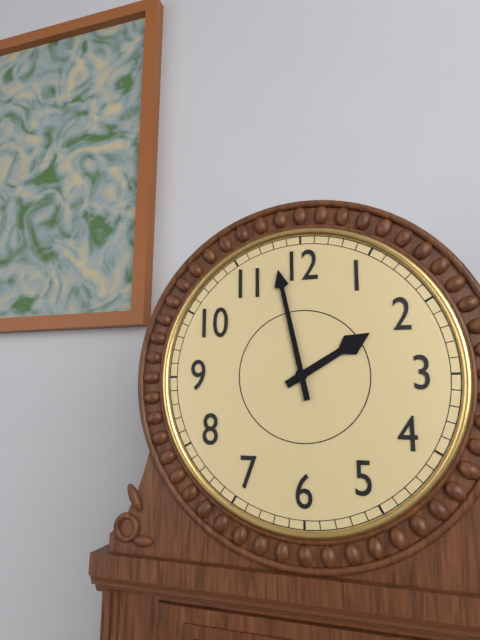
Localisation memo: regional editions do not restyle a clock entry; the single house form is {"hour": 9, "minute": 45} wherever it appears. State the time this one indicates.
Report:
{"hour": 1, "minute": 58}
